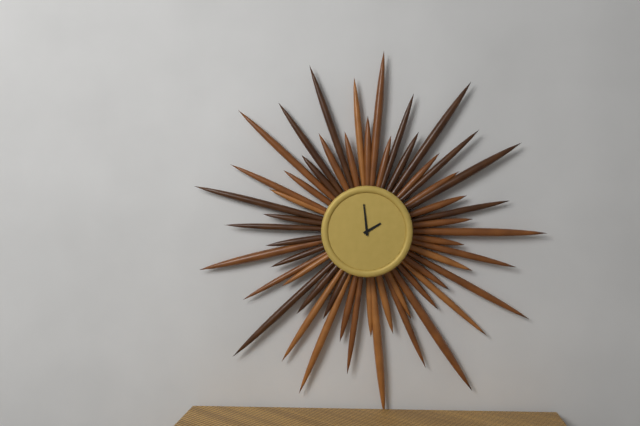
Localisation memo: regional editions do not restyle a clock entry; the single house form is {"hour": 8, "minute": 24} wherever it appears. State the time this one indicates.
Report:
{"hour": 1, "minute": 59}
